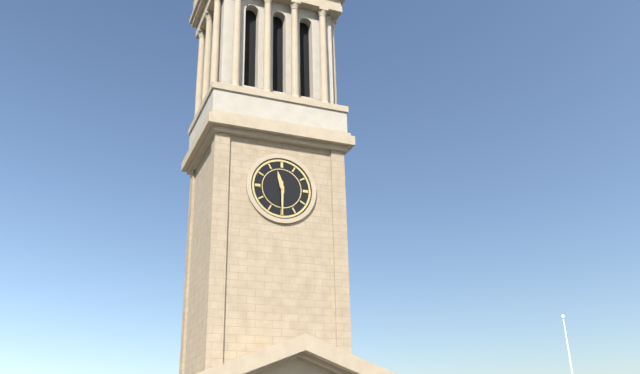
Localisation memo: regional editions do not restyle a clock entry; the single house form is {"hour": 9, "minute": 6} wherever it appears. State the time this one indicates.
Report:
{"hour": 11, "minute": 30}
